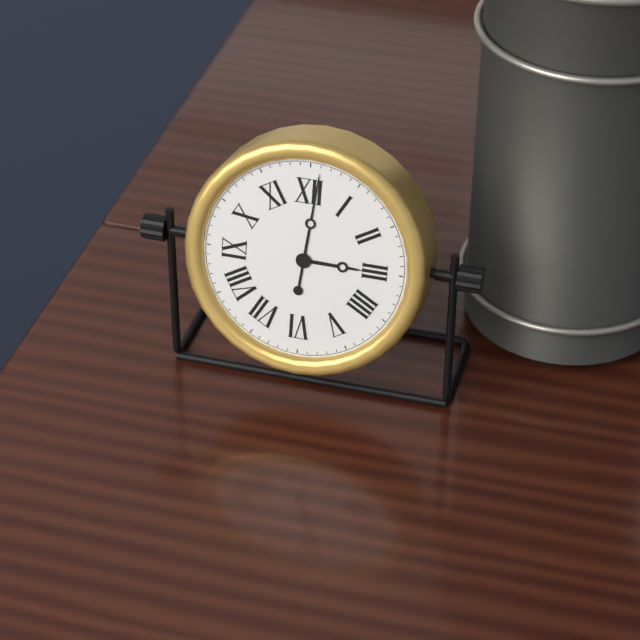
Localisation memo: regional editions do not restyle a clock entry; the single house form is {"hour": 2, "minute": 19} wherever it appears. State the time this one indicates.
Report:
{"hour": 3, "minute": 1}
